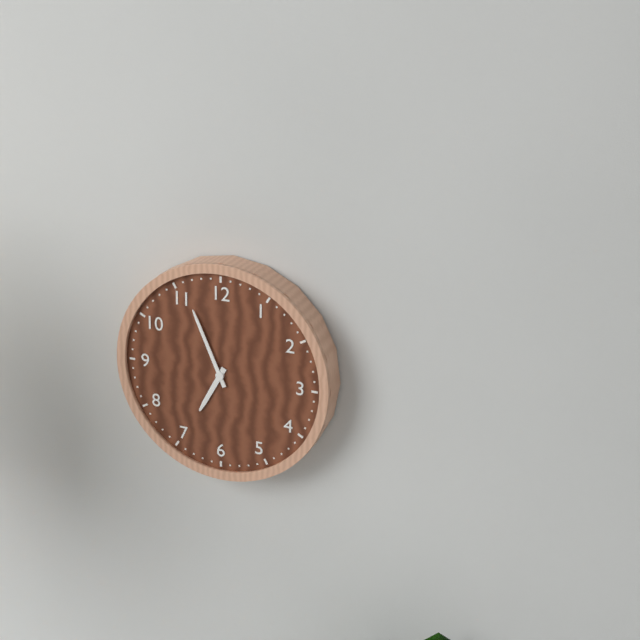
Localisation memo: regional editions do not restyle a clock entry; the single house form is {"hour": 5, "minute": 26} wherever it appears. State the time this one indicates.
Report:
{"hour": 6, "minute": 56}
